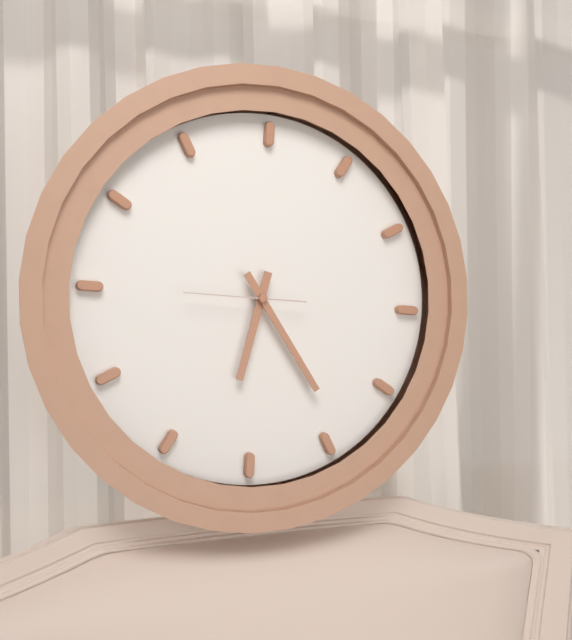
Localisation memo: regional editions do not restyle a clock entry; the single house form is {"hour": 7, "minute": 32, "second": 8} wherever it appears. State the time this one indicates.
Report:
{"hour": 6, "minute": 24, "second": 45}
